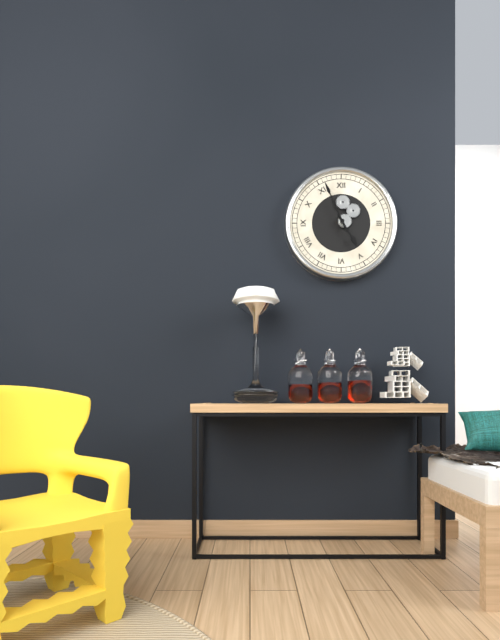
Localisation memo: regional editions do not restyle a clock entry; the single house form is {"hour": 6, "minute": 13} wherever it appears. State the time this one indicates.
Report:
{"hour": 4, "minute": 56}
